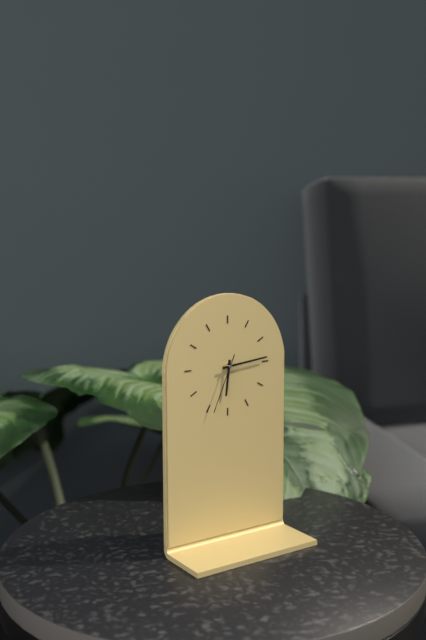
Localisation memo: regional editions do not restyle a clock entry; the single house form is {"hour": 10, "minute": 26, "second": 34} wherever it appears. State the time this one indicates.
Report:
{"hour": 6, "minute": 14, "second": 34}
